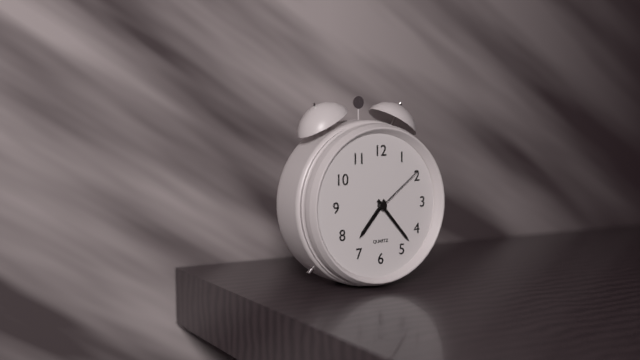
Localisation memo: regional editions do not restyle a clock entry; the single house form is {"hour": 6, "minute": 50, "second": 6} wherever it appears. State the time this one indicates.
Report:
{"hour": 7, "minute": 23, "second": 9}
